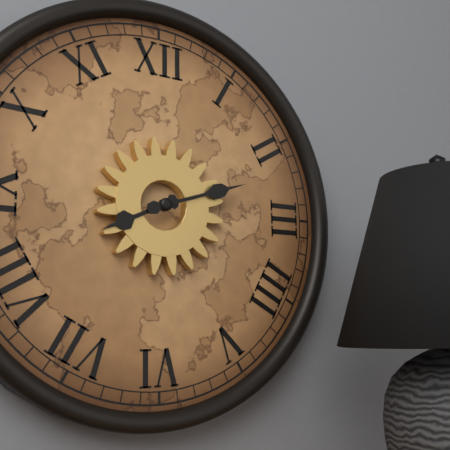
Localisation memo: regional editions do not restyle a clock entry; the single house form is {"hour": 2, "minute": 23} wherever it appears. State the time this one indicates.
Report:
{"hour": 8, "minute": 12}
